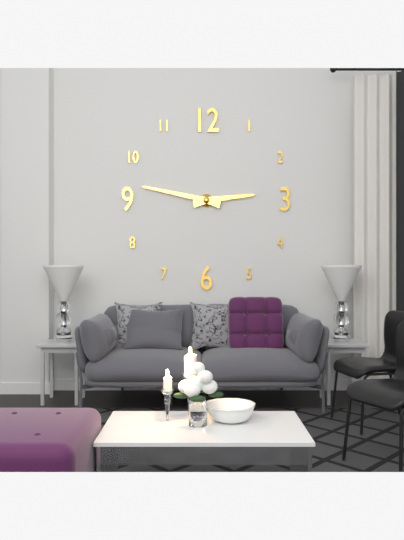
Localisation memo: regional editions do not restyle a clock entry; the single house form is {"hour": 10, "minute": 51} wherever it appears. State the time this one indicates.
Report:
{"hour": 2, "minute": 47}
